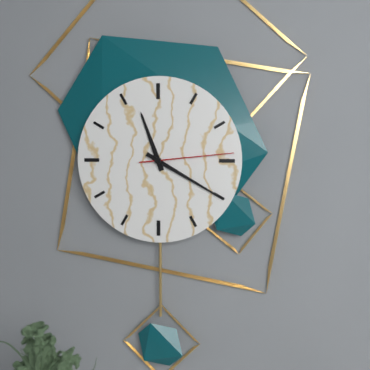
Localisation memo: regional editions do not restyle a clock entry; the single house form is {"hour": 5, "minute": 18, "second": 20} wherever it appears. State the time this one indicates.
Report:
{"hour": 11, "minute": 20, "second": 14}
